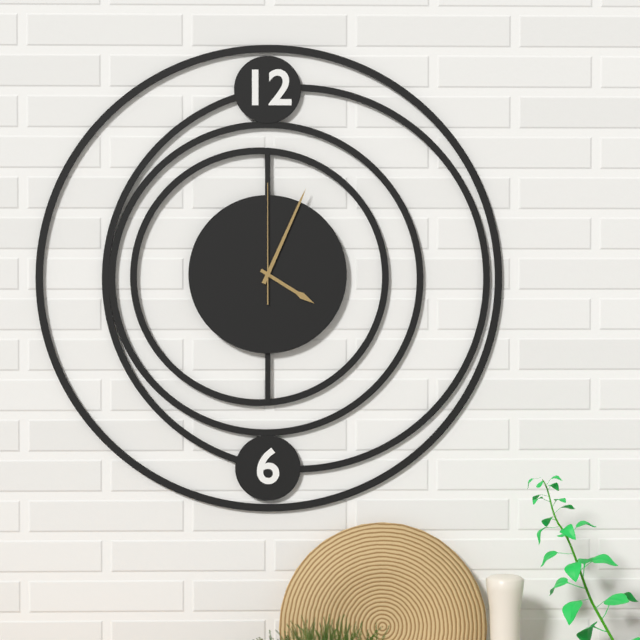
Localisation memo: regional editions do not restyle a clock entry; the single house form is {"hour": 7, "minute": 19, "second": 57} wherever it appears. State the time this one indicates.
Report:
{"hour": 4, "minute": 4, "second": 0}
